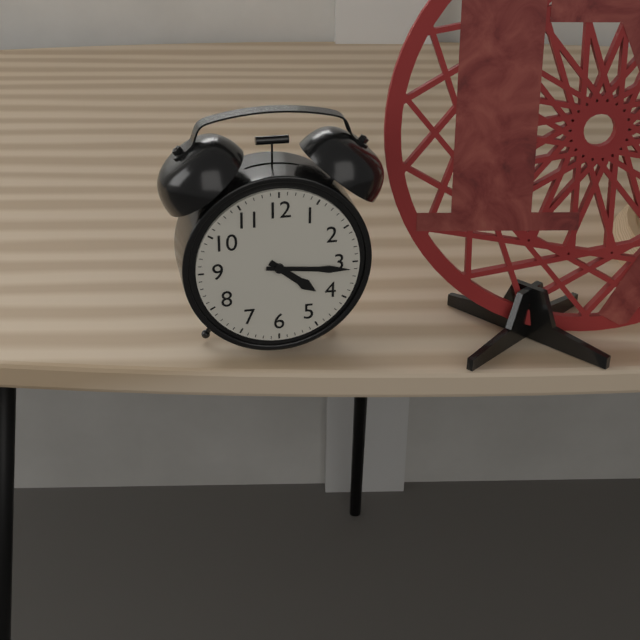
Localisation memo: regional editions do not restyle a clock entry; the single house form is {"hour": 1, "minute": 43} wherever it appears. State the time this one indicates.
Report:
{"hour": 4, "minute": 16}
